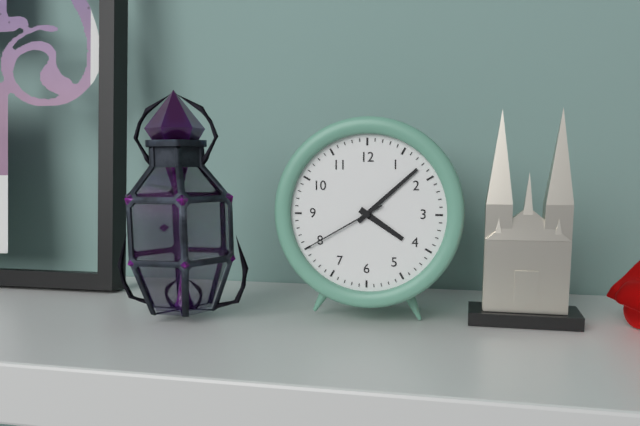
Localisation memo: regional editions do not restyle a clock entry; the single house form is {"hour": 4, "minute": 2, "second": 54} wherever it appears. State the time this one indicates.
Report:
{"hour": 4, "minute": 8, "second": 40}
